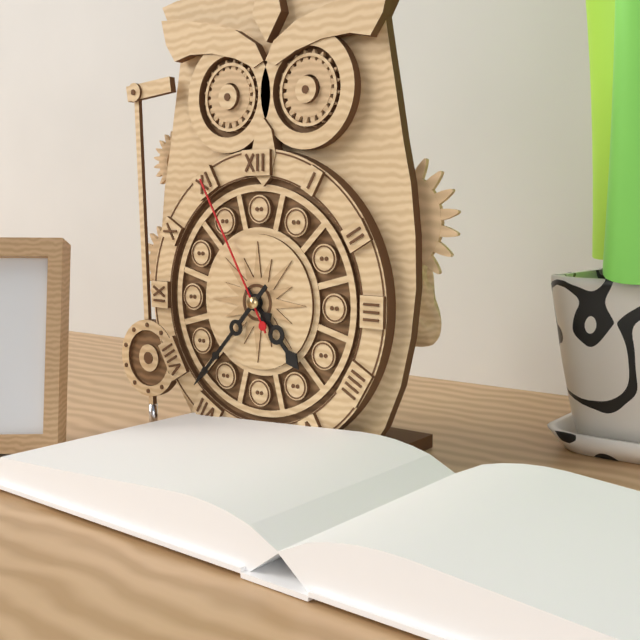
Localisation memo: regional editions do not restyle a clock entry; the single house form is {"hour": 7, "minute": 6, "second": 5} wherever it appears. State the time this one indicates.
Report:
{"hour": 4, "minute": 37, "second": 55}
